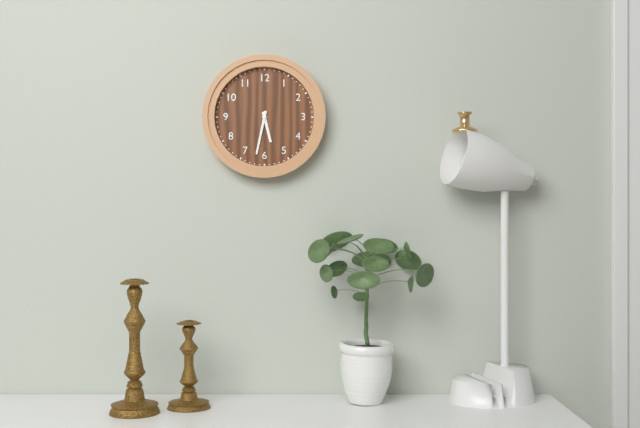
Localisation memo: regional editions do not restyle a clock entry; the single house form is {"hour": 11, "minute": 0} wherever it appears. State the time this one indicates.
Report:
{"hour": 5, "minute": 32}
